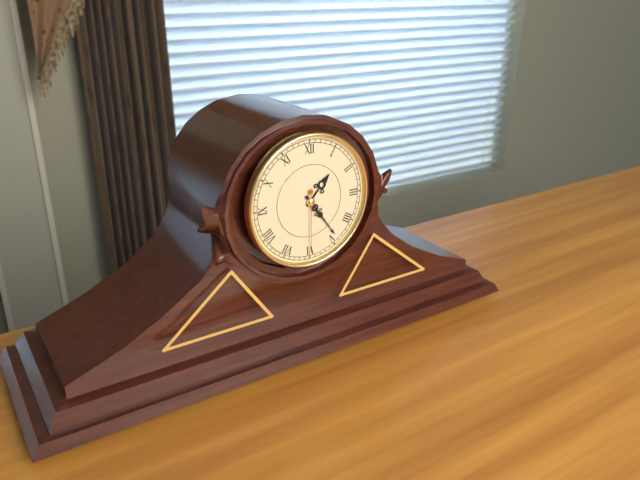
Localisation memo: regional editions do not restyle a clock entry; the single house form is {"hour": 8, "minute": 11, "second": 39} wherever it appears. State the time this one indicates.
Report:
{"hour": 1, "minute": 24, "second": 30}
